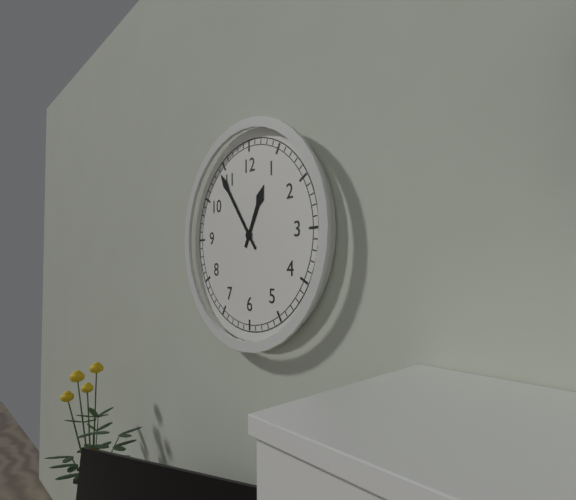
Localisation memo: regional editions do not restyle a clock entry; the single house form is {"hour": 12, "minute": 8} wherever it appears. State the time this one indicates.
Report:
{"hour": 12, "minute": 54}
